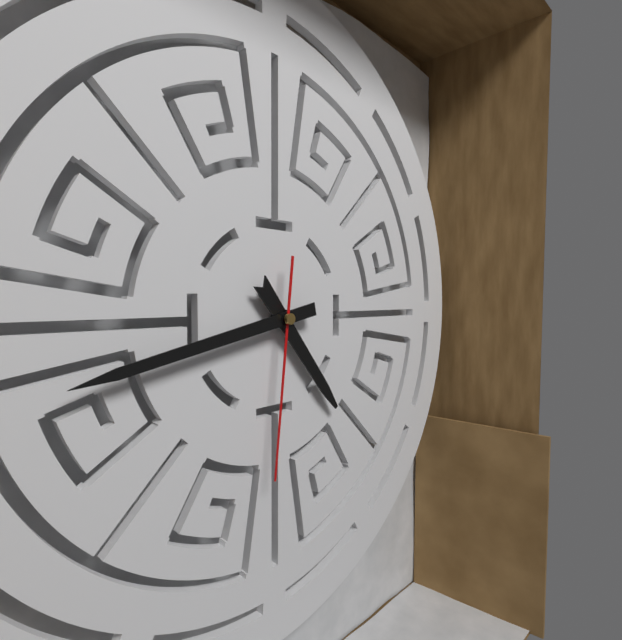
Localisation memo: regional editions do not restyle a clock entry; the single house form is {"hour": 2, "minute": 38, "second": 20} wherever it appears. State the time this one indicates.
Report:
{"hour": 4, "minute": 43, "second": 31}
